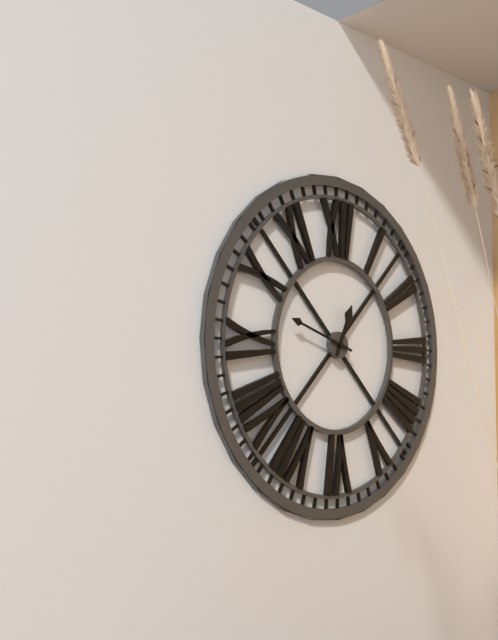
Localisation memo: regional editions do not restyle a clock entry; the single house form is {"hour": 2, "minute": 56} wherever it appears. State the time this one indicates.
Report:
{"hour": 12, "minute": 48}
